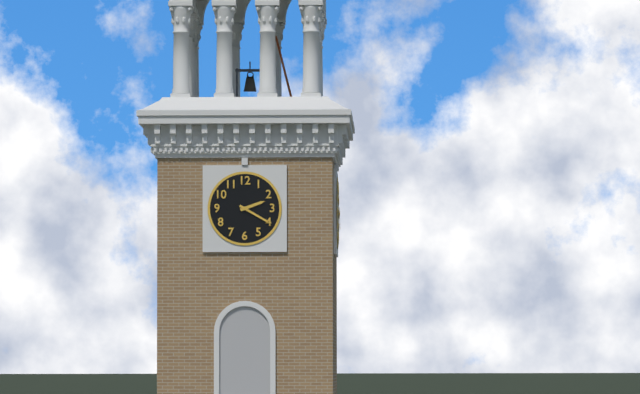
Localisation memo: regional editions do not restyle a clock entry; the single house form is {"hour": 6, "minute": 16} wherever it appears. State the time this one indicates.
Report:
{"hour": 2, "minute": 20}
